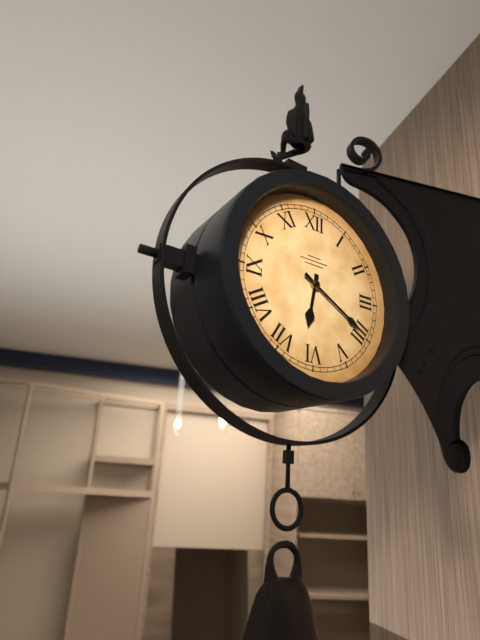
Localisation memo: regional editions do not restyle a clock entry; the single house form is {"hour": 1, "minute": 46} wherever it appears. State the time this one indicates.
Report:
{"hour": 6, "minute": 20}
